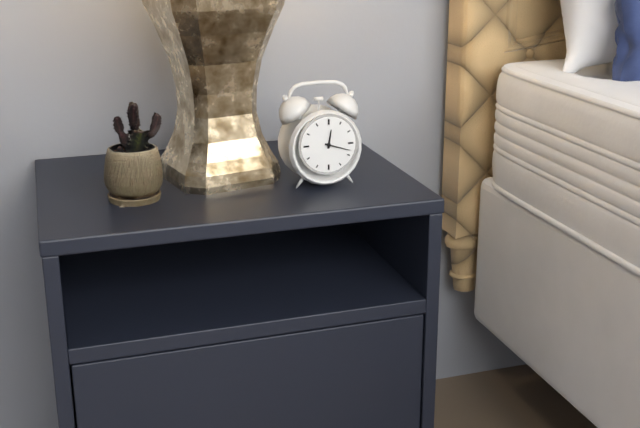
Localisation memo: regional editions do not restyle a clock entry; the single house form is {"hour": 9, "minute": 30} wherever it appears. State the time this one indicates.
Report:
{"hour": 12, "minute": 18}
